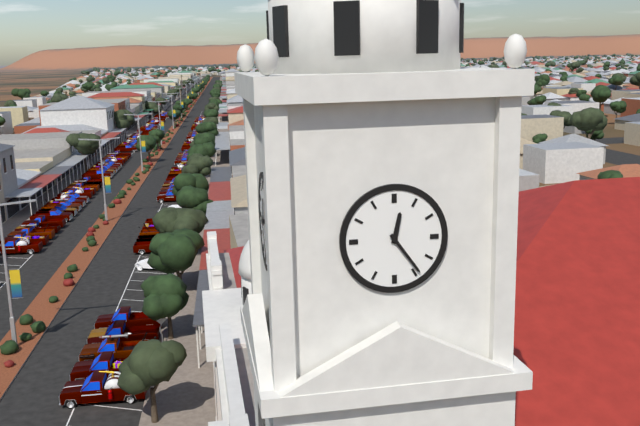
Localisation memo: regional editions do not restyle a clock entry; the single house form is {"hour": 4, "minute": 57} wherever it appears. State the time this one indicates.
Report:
{"hour": 12, "minute": 24}
